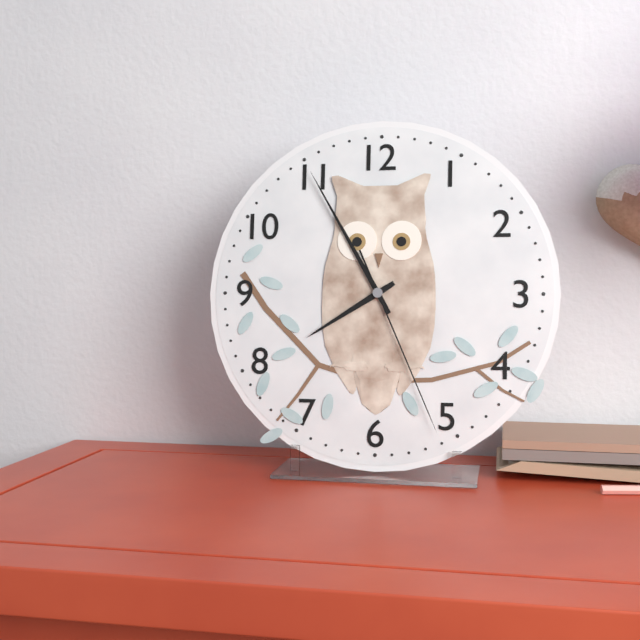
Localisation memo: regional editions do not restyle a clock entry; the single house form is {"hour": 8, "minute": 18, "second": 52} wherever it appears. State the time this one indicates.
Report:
{"hour": 7, "minute": 55, "second": 26}
